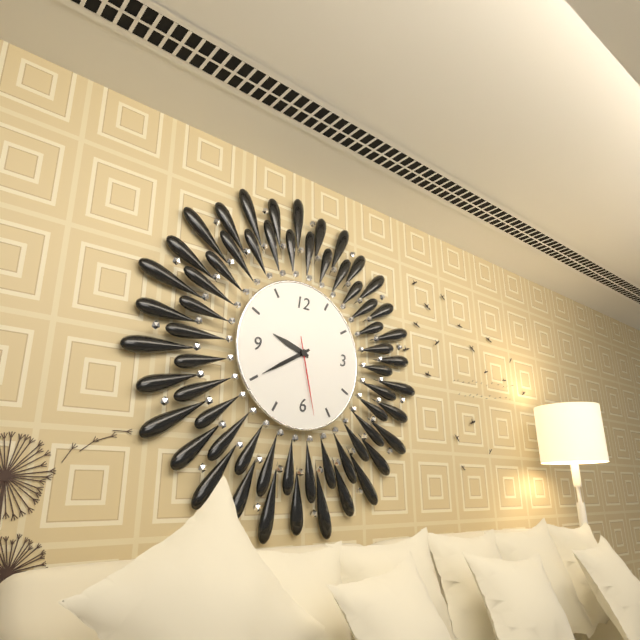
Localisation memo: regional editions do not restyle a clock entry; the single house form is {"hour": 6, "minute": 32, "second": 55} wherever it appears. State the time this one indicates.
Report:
{"hour": 9, "minute": 40, "second": 28}
